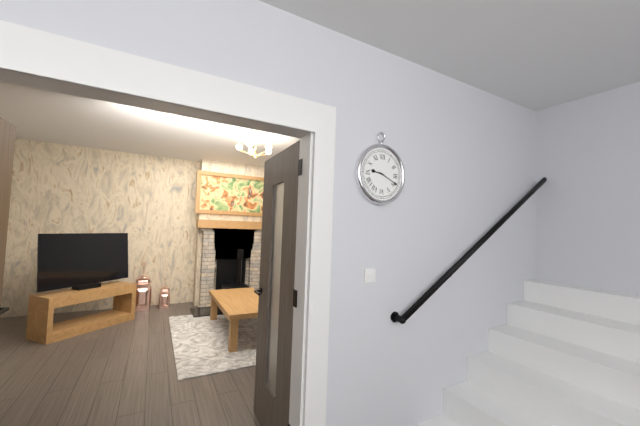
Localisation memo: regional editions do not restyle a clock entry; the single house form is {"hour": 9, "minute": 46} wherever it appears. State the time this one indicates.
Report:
{"hour": 9, "minute": 19}
